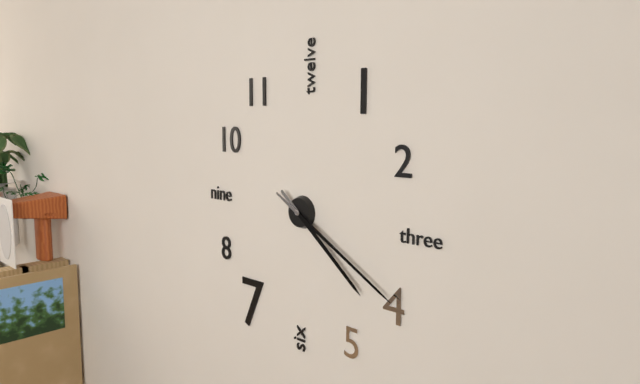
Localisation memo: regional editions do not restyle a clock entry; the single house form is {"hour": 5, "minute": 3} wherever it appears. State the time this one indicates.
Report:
{"hour": 4, "minute": 20}
